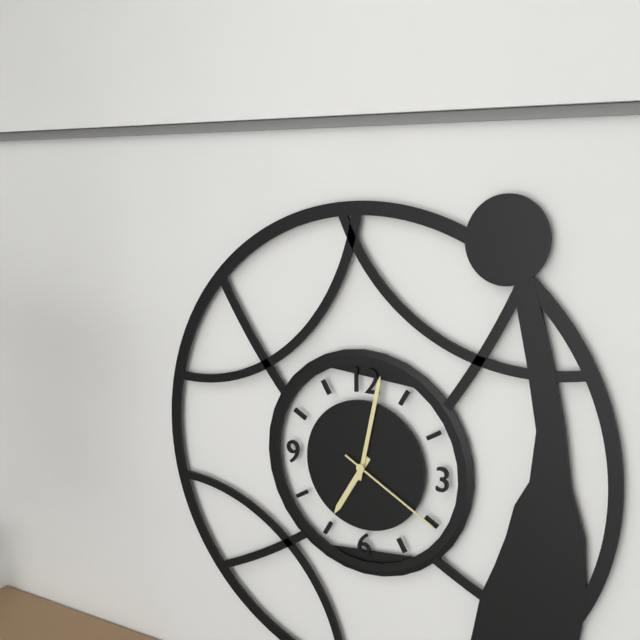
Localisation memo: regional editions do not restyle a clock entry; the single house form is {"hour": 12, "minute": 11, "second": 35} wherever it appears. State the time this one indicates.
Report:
{"hour": 7, "minute": 2, "second": 20}
